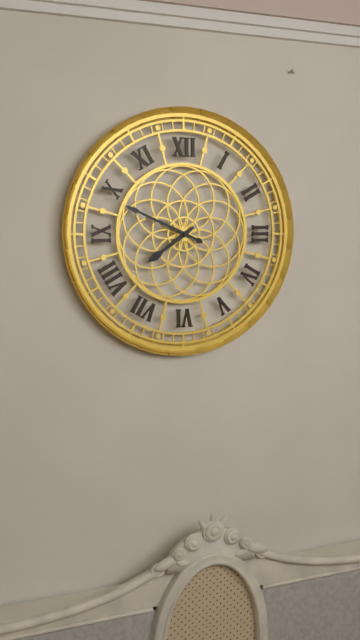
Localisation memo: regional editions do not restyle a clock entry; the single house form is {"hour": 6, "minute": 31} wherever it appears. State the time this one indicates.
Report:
{"hour": 7, "minute": 49}
